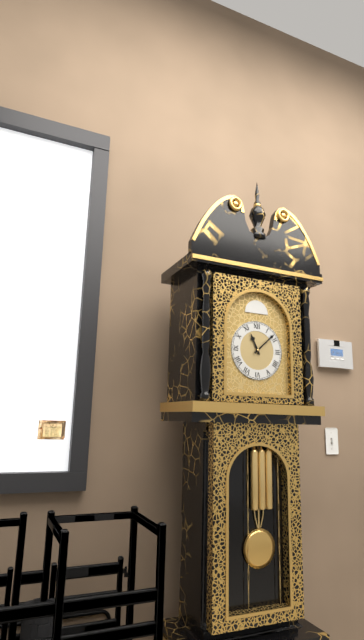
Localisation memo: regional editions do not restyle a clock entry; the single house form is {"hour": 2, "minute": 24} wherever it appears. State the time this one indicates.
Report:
{"hour": 11, "minute": 8}
